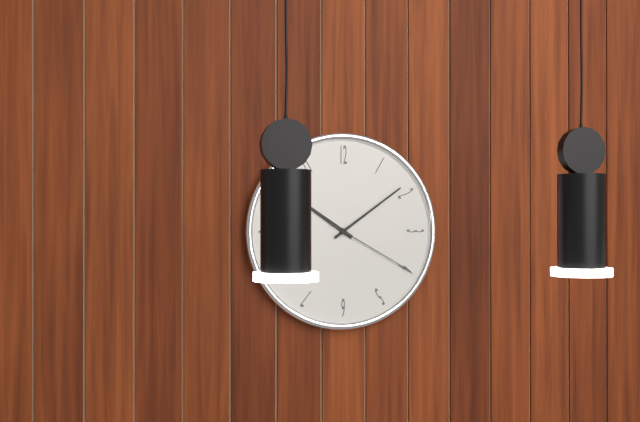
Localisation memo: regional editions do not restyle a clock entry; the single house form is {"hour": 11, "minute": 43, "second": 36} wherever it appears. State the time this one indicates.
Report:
{"hour": 10, "minute": 9, "second": 20}
